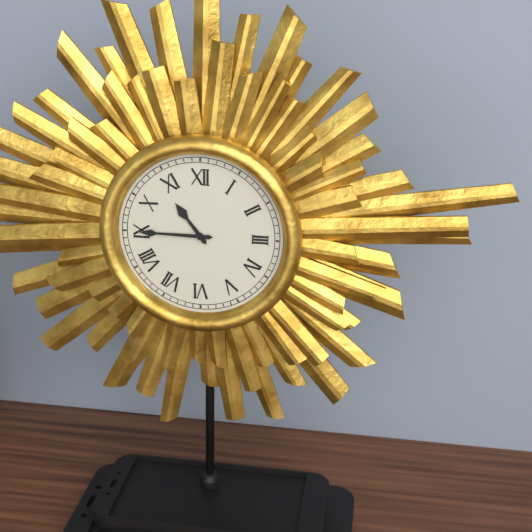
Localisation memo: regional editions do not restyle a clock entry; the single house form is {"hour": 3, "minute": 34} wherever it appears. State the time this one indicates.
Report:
{"hour": 10, "minute": 45}
